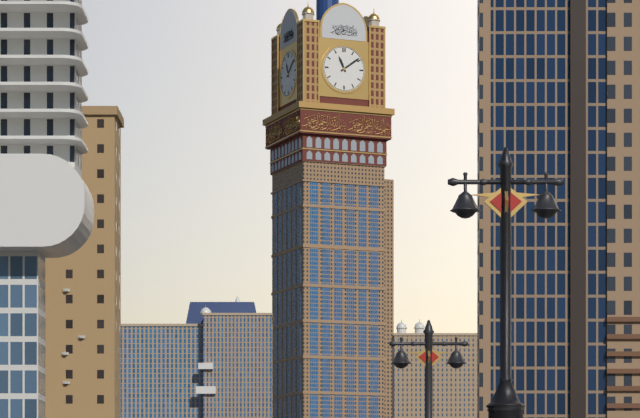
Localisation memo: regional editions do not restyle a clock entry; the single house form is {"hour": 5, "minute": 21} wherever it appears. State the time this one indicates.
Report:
{"hour": 11, "minute": 9}
